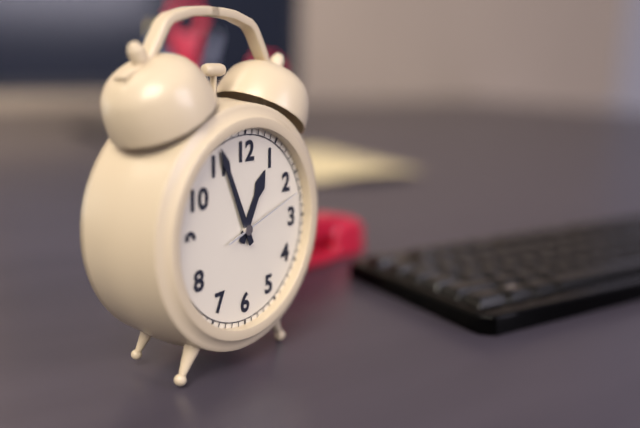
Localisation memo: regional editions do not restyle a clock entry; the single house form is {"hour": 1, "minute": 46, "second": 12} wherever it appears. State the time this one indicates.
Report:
{"hour": 12, "minute": 56, "second": 12}
